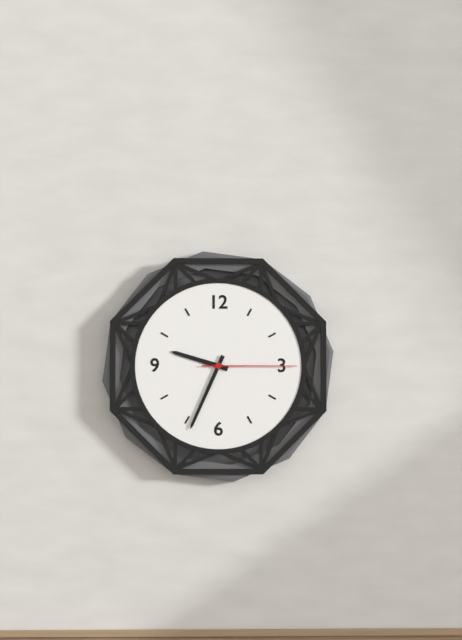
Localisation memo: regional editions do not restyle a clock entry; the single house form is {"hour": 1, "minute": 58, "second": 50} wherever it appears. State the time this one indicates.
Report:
{"hour": 9, "minute": 34, "second": 15}
